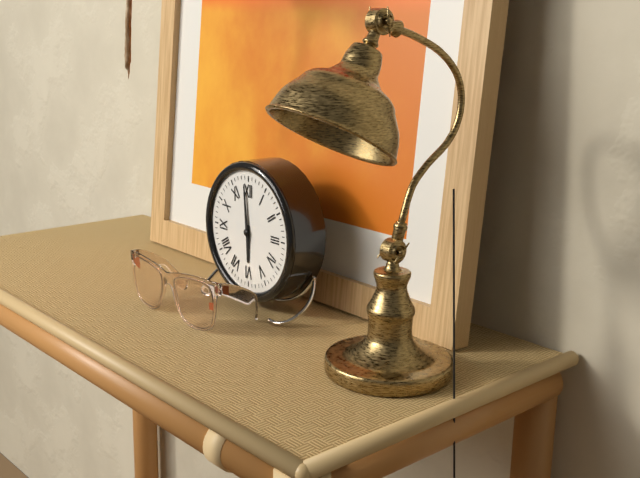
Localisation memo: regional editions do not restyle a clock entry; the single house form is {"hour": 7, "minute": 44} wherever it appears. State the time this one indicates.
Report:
{"hour": 5, "minute": 59}
